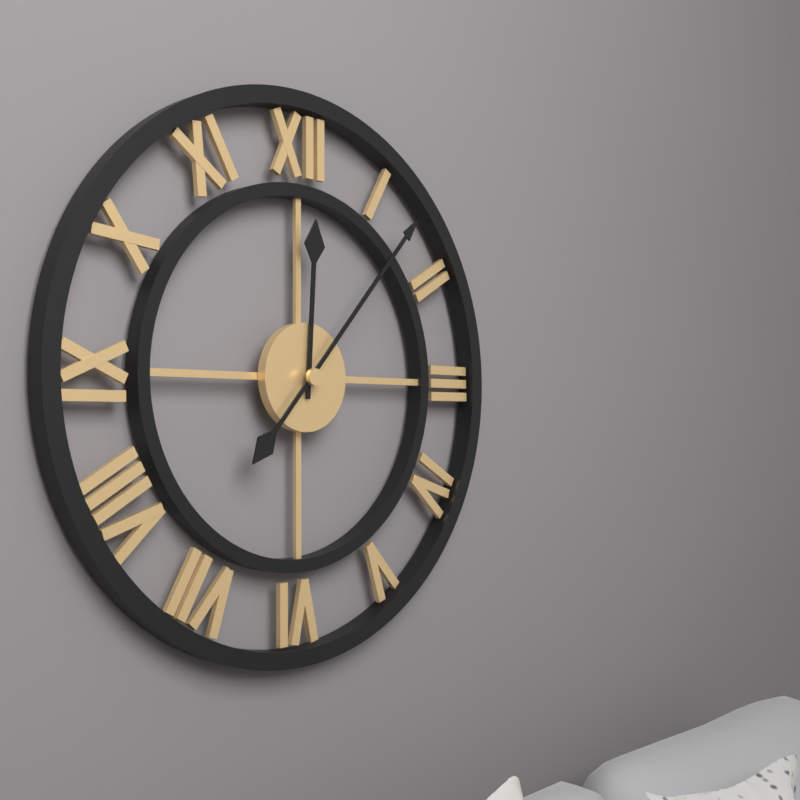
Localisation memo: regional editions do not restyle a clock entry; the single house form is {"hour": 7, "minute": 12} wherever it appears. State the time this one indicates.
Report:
{"hour": 12, "minute": 7}
